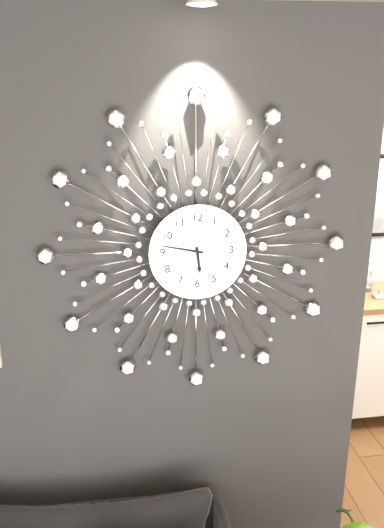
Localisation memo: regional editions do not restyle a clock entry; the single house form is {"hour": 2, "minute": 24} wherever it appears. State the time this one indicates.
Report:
{"hour": 5, "minute": 47}
